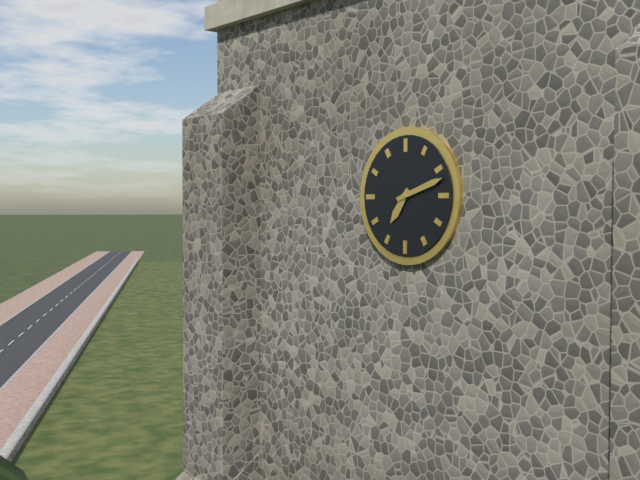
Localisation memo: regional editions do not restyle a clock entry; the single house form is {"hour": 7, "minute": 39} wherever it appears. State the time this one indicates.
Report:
{"hour": 7, "minute": 12}
